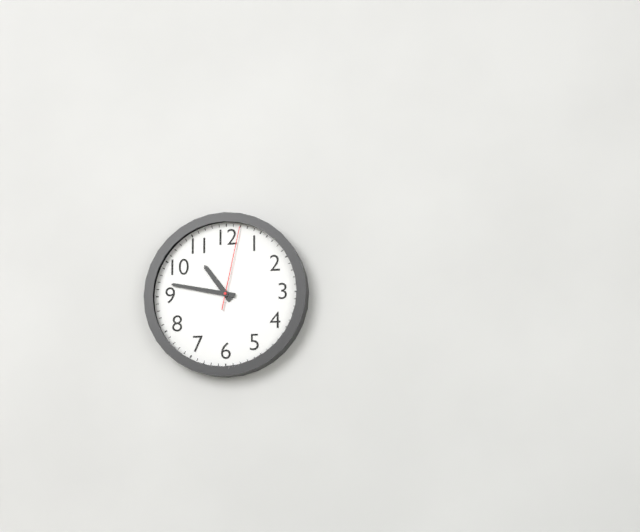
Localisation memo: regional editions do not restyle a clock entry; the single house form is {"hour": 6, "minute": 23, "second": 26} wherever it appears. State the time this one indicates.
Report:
{"hour": 10, "minute": 47, "second": 2}
